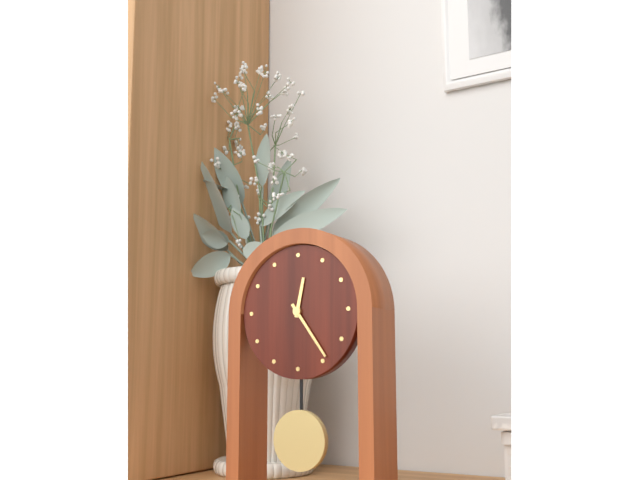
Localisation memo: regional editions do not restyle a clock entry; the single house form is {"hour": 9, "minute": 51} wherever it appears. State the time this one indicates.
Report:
{"hour": 12, "minute": 24}
